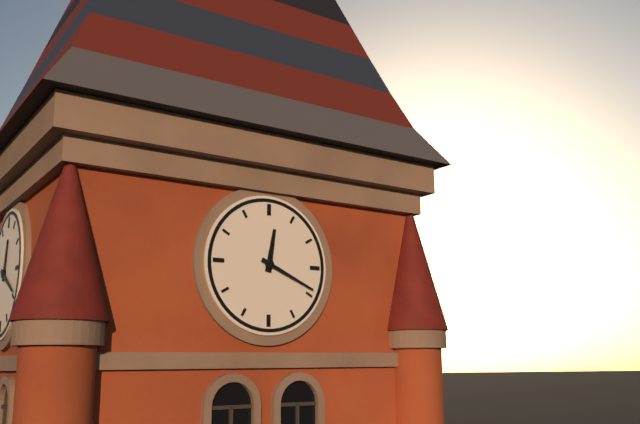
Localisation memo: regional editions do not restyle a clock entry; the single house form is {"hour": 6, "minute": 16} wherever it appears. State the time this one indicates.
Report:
{"hour": 12, "minute": 19}
